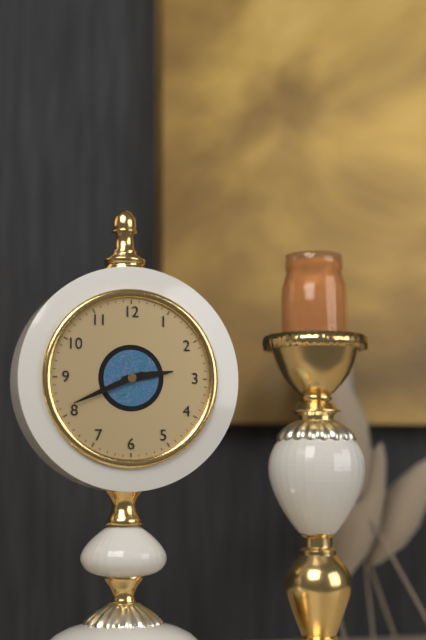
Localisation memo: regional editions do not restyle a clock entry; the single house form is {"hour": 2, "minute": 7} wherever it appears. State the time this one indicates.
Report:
{"hour": 2, "minute": 41}
